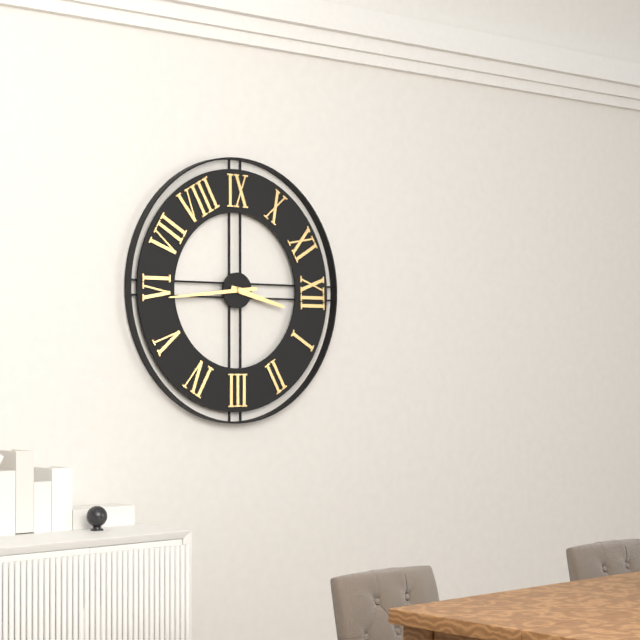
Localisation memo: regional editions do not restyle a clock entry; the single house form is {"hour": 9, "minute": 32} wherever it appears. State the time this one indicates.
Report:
{"hour": 12, "minute": 29}
